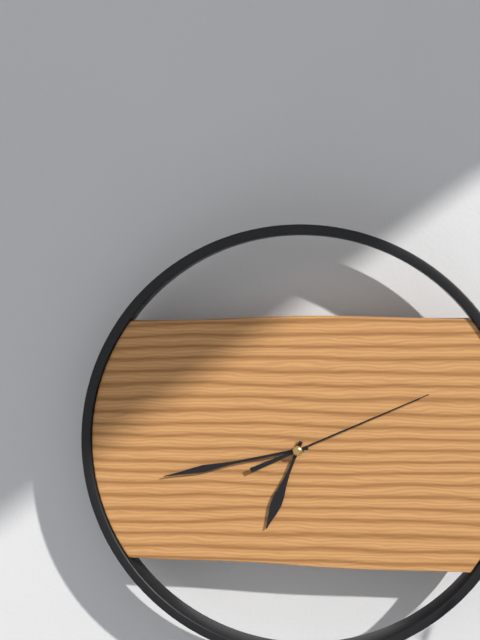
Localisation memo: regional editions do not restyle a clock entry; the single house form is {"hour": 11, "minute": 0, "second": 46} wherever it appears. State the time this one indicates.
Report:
{"hour": 6, "minute": 43, "second": 11}
